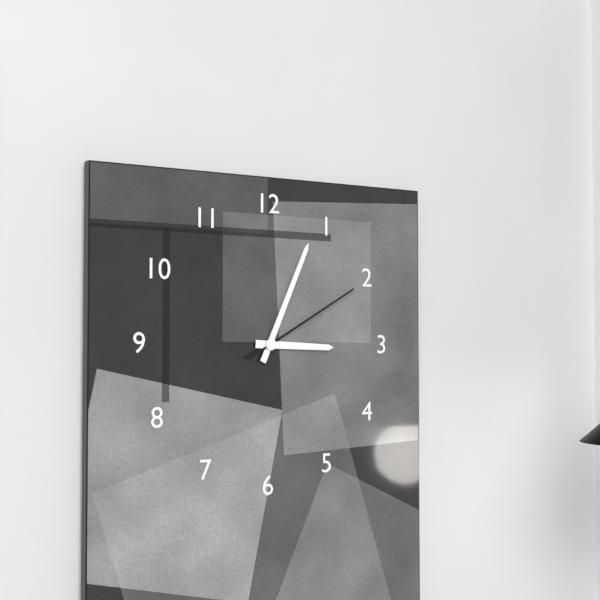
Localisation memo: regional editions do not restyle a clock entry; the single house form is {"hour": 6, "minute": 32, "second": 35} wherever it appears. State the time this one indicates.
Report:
{"hour": 3, "minute": 4, "second": 10}
